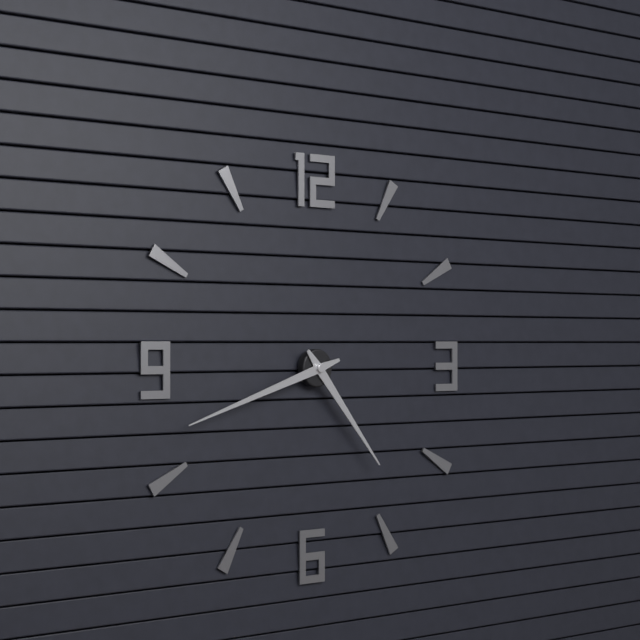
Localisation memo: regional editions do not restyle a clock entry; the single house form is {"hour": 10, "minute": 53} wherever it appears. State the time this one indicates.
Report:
{"hour": 4, "minute": 42}
